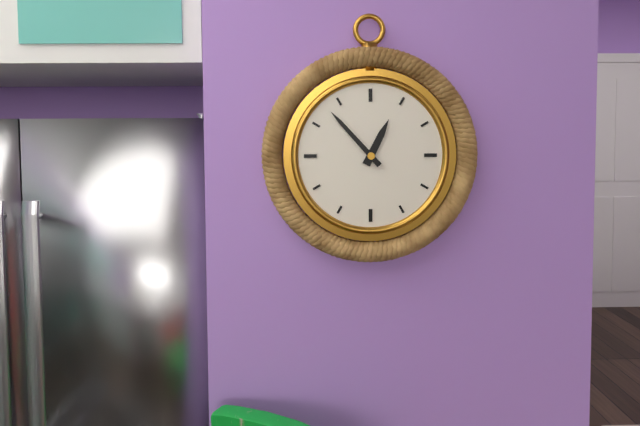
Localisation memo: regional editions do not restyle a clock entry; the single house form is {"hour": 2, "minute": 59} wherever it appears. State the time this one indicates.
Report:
{"hour": 12, "minute": 53}
